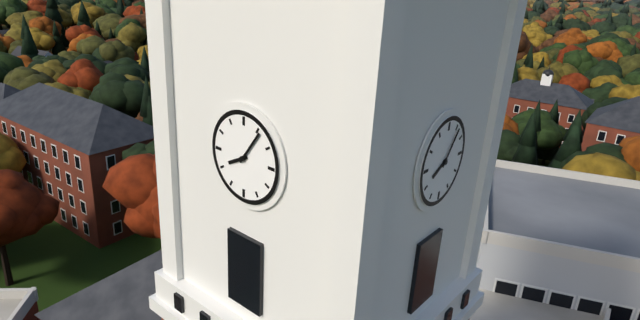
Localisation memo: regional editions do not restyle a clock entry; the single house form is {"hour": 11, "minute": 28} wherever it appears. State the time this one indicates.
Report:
{"hour": 8, "minute": 6}
